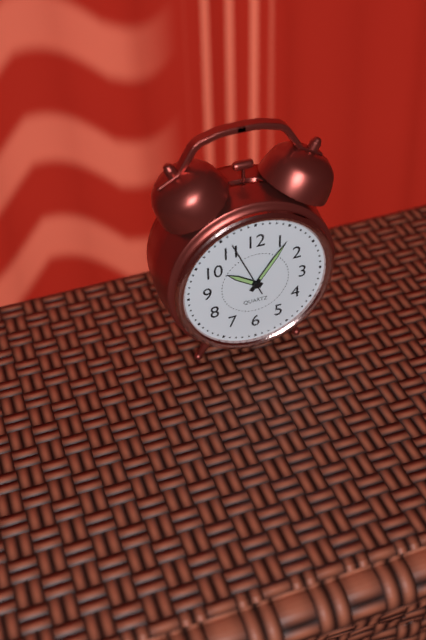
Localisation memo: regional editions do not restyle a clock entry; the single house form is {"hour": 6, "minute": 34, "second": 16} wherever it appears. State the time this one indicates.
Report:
{"hour": 10, "minute": 6, "second": 56}
